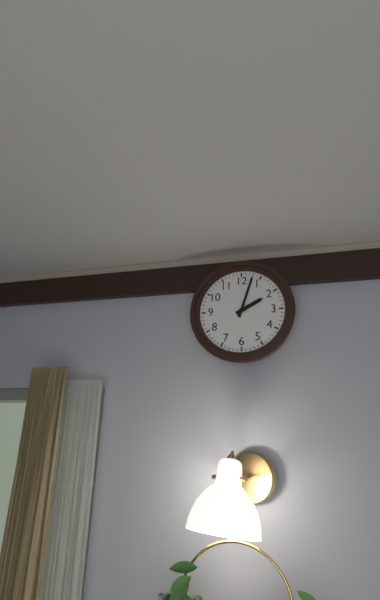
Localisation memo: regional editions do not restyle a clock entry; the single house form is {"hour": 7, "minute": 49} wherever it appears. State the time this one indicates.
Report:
{"hour": 2, "minute": 3}
